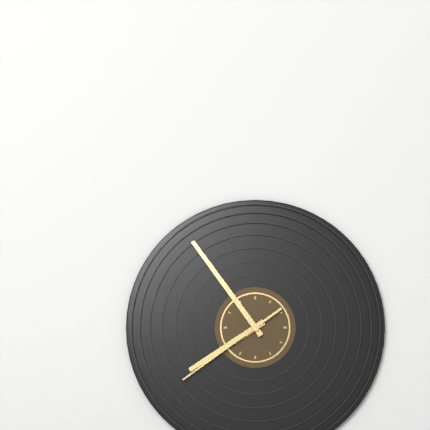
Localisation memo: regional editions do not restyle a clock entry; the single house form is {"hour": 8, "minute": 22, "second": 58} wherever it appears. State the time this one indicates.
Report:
{"hour": 7, "minute": 54, "second": 39}
